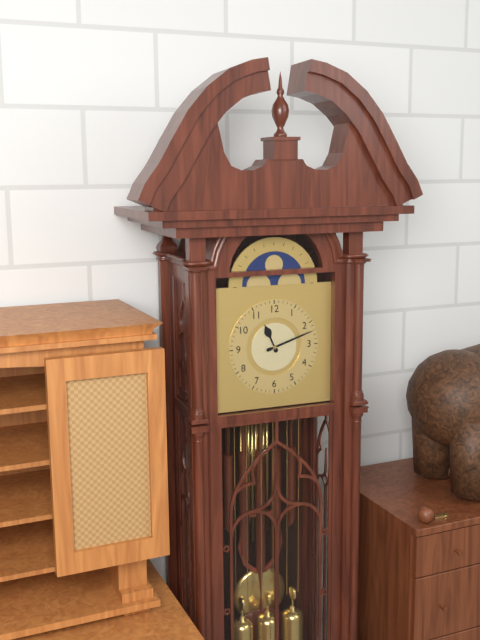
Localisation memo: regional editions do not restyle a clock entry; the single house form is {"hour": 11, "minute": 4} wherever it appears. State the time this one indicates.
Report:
{"hour": 11, "minute": 12}
